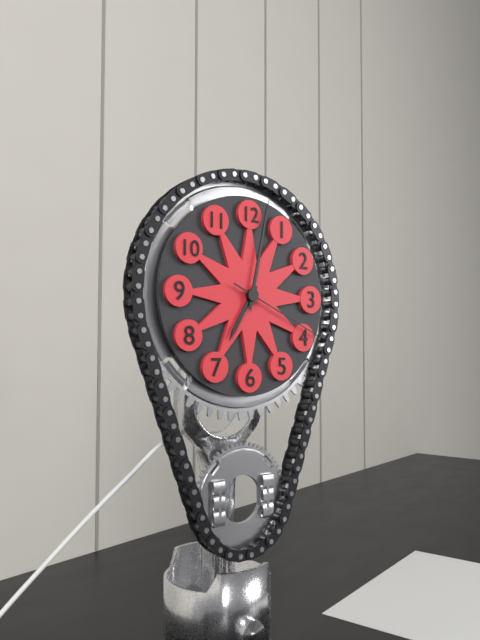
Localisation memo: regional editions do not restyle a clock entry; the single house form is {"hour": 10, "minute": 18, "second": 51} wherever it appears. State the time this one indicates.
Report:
{"hour": 7, "minute": 2, "second": 19}
